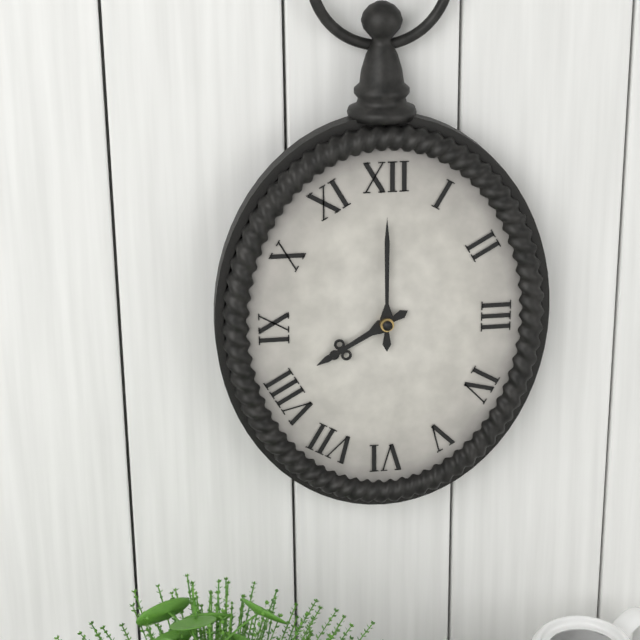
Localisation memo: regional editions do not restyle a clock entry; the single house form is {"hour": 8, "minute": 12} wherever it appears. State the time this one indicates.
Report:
{"hour": 8, "minute": 0}
